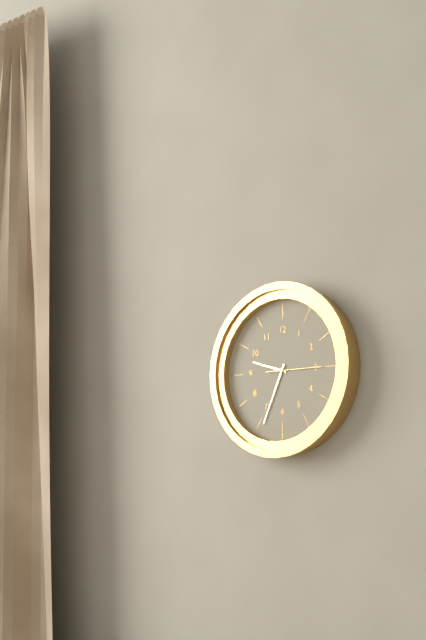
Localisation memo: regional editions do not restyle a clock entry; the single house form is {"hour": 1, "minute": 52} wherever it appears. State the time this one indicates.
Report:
{"hour": 9, "minute": 34}
